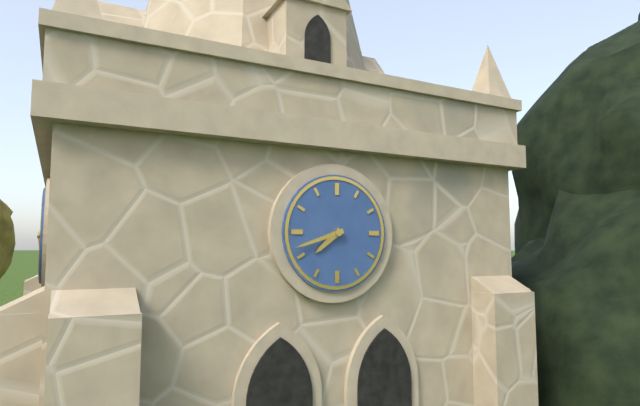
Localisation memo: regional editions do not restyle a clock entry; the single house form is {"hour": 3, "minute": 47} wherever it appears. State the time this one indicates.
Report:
{"hour": 7, "minute": 42}
